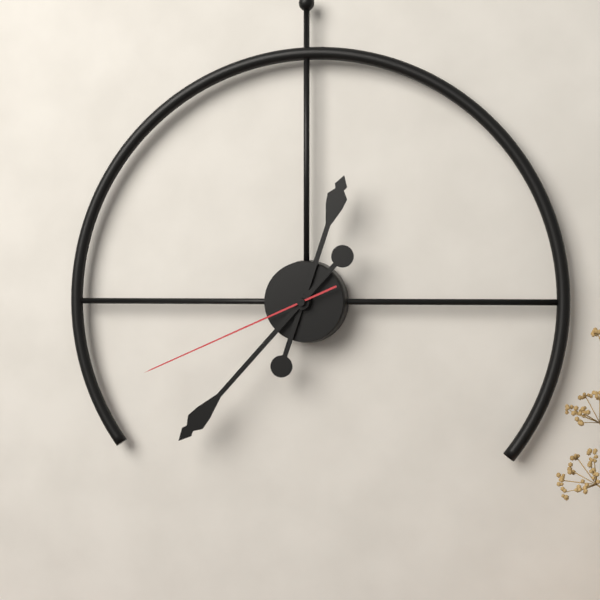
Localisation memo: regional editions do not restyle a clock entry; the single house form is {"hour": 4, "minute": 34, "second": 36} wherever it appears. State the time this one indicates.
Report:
{"hour": 12, "minute": 37, "second": 41}
